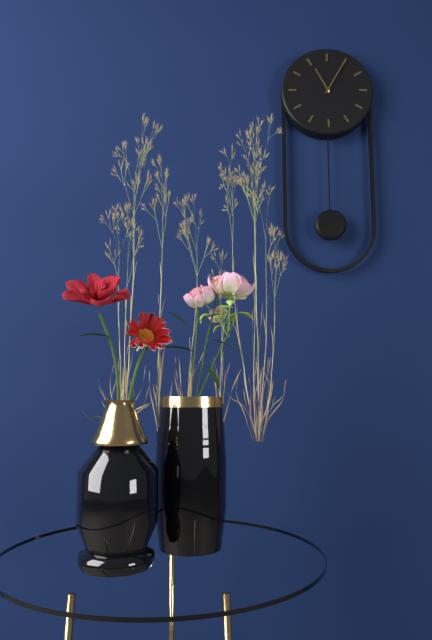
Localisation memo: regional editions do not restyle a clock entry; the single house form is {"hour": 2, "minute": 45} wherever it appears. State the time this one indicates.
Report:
{"hour": 11, "minute": 5}
